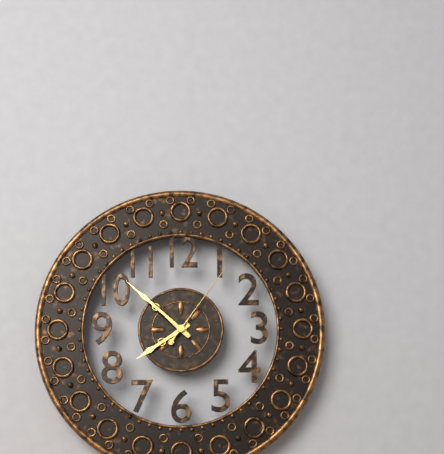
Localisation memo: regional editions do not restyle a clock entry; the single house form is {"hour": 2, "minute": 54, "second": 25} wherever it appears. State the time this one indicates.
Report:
{"hour": 7, "minute": 52, "second": 6}
